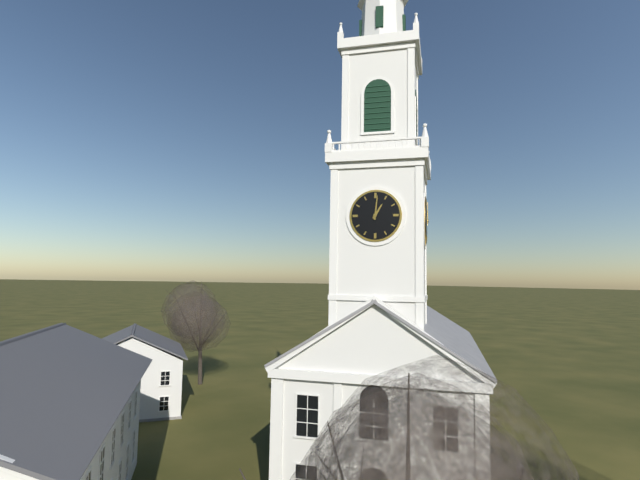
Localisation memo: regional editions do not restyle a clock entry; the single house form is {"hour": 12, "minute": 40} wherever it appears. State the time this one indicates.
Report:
{"hour": 1, "minute": 1}
